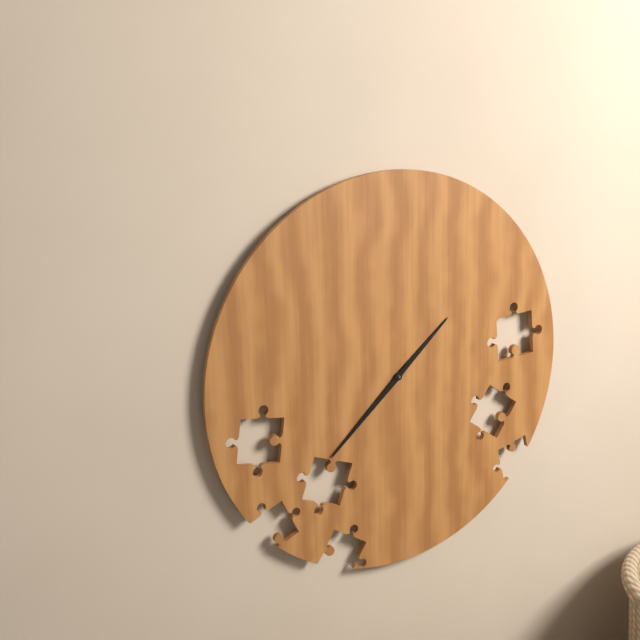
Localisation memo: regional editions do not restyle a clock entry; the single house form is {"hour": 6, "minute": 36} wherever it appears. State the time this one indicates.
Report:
{"hour": 1, "minute": 38}
